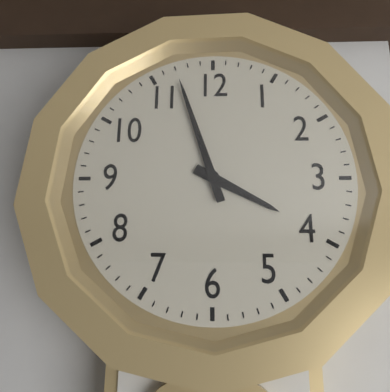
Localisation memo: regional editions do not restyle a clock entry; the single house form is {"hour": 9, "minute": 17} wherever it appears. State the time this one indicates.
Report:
{"hour": 3, "minute": 57}
